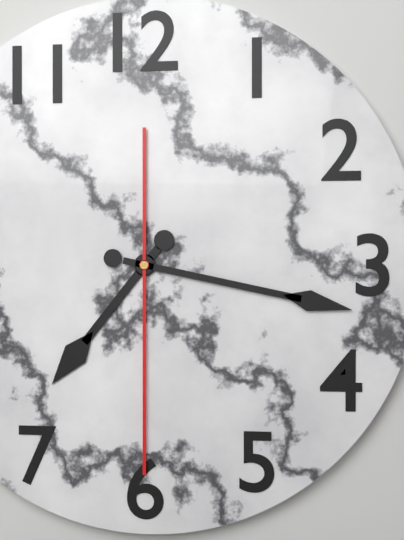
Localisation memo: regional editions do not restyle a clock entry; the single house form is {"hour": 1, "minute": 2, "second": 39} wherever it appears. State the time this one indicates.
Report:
{"hour": 7, "minute": 17, "second": 30}
